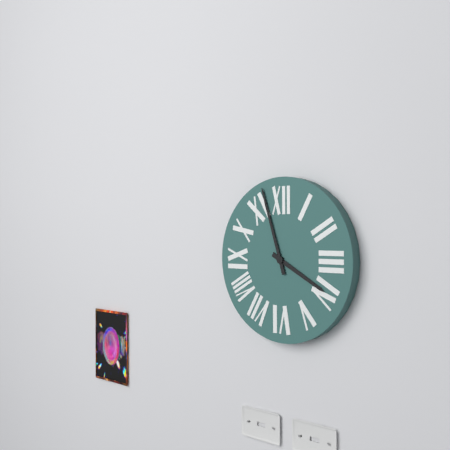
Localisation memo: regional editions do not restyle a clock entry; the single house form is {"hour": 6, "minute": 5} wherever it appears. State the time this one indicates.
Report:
{"hour": 3, "minute": 57}
